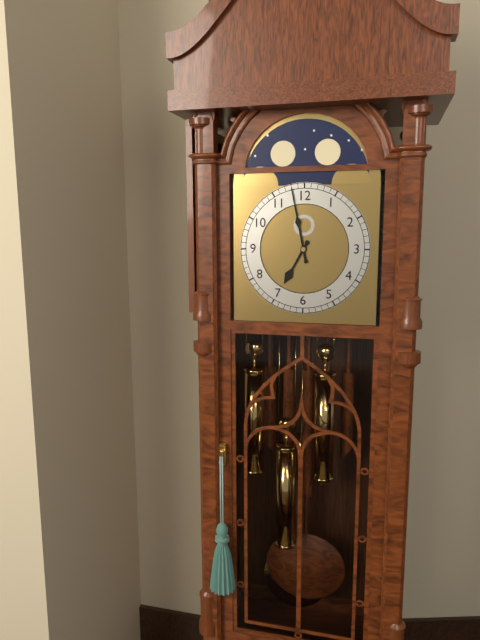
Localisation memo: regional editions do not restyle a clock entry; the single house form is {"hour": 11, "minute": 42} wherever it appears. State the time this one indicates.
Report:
{"hour": 6, "minute": 58}
